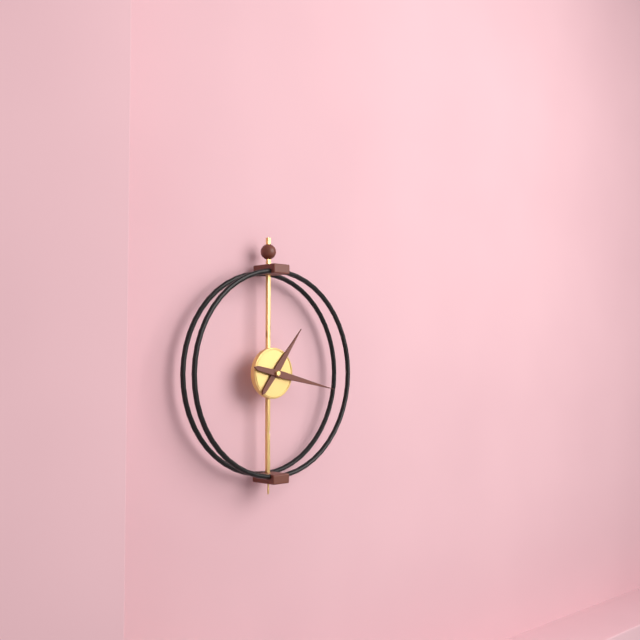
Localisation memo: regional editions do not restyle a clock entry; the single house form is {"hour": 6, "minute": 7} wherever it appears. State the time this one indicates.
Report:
{"hour": 1, "minute": 17}
